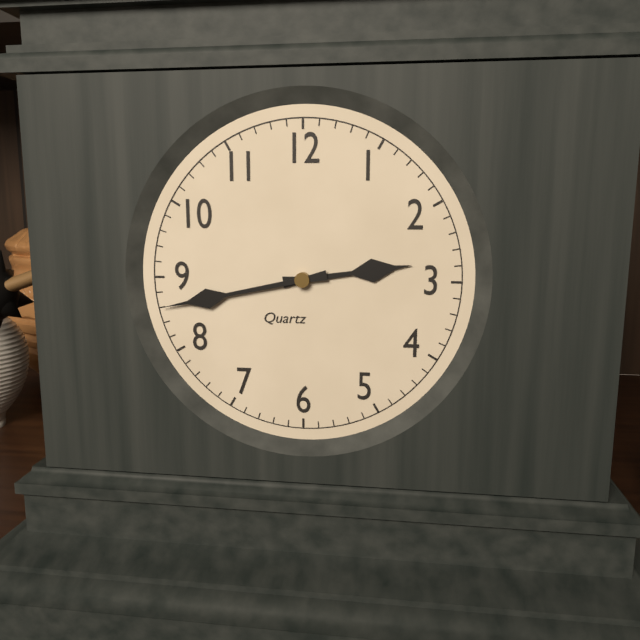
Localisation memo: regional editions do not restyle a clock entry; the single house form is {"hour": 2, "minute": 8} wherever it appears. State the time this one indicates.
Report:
{"hour": 2, "minute": 43}
